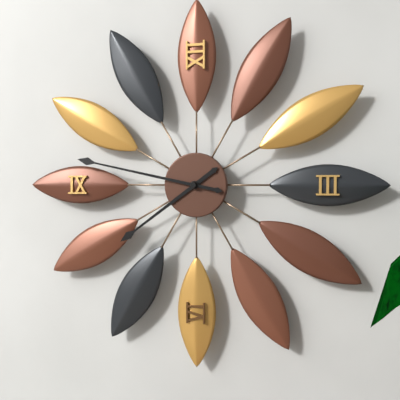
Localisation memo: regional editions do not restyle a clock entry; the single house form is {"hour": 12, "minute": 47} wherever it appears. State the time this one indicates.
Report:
{"hour": 7, "minute": 47}
